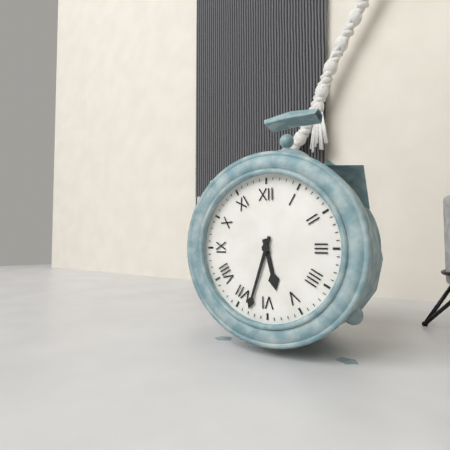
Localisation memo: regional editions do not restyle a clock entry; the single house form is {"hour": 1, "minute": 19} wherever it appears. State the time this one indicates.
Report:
{"hour": 5, "minute": 33}
